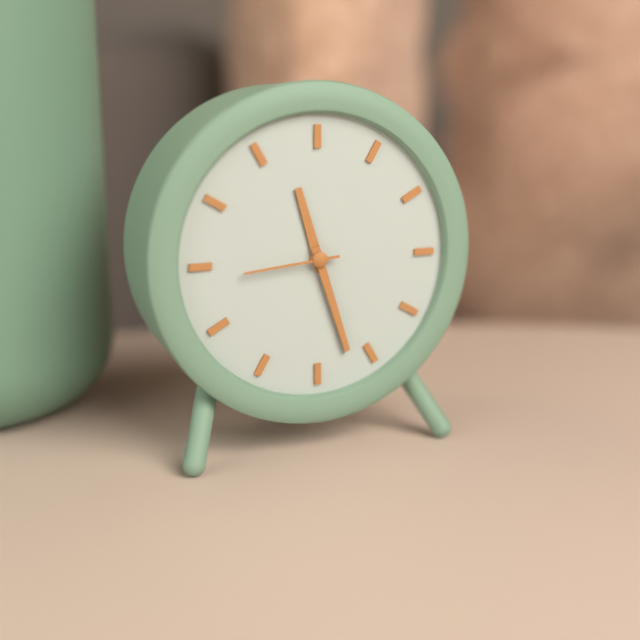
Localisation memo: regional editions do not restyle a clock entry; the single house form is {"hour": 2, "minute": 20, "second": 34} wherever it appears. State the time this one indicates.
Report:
{"hour": 11, "minute": 27, "second": 44}
